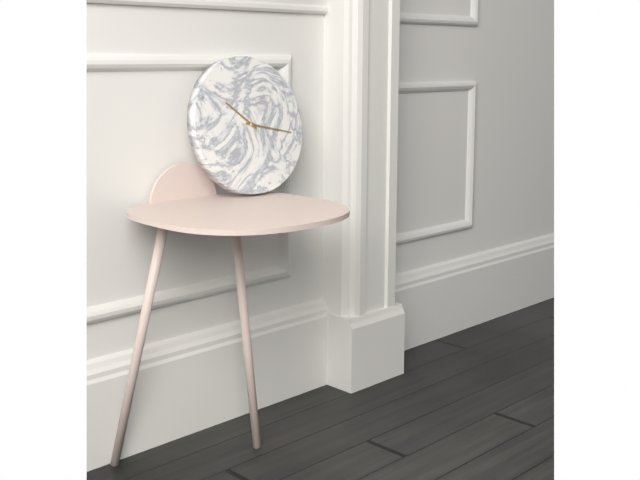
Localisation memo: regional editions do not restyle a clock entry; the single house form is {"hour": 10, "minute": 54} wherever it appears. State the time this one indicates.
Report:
{"hour": 10, "minute": 17}
